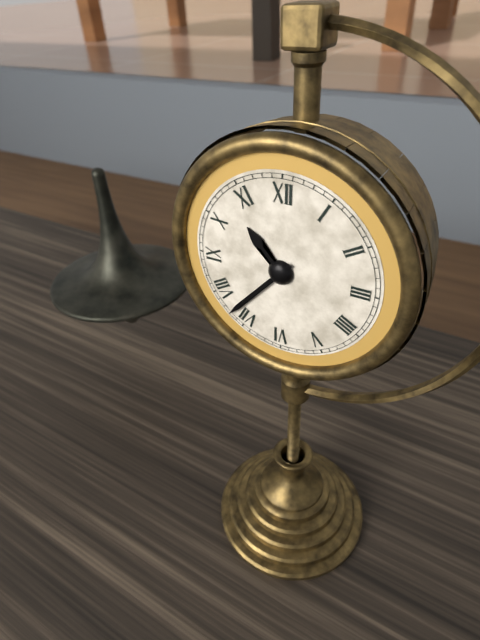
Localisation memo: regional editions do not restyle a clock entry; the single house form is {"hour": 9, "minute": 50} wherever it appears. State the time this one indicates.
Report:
{"hour": 10, "minute": 37}
